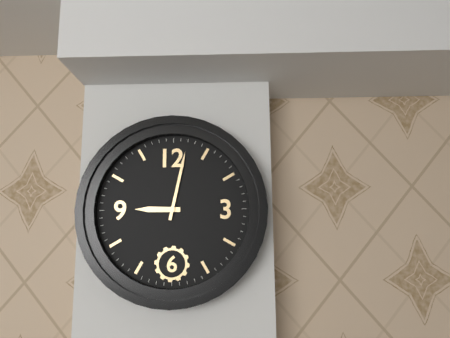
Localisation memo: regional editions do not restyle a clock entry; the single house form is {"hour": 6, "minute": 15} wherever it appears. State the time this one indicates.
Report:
{"hour": 9, "minute": 2}
